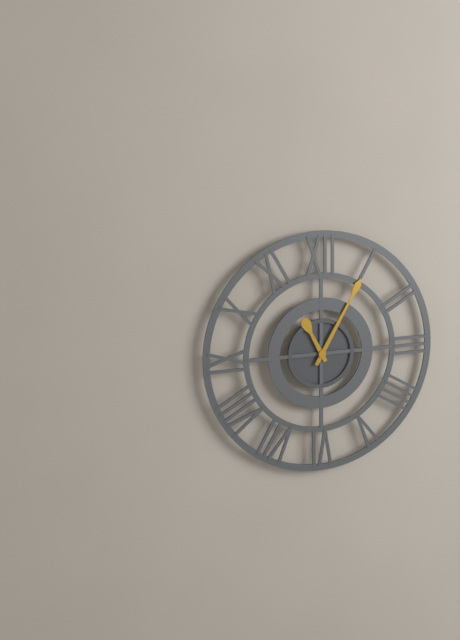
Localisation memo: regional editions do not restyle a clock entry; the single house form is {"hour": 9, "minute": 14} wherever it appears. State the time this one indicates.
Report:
{"hour": 11, "minute": 5}
